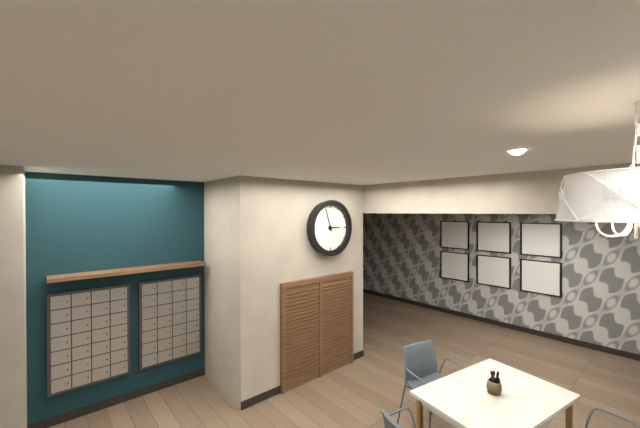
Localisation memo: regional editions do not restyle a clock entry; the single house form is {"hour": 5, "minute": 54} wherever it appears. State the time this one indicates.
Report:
{"hour": 2, "minute": 57}
